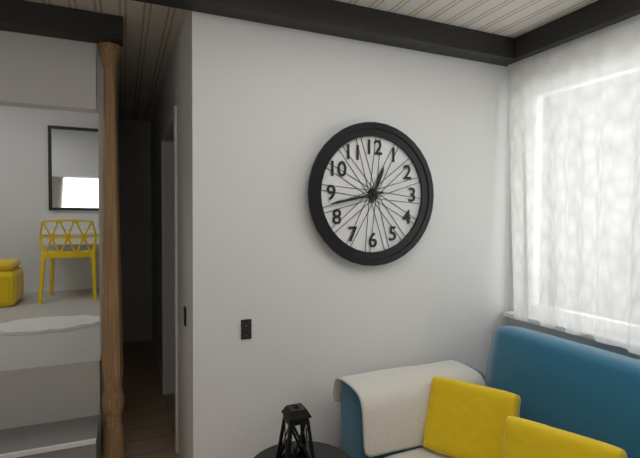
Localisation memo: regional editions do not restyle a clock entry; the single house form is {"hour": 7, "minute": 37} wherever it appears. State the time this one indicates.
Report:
{"hour": 12, "minute": 43}
